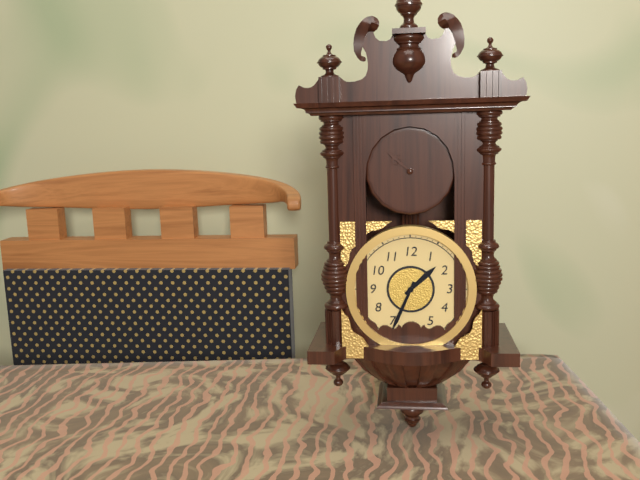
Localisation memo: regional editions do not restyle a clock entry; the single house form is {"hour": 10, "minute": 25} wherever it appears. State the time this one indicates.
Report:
{"hour": 1, "minute": 34}
